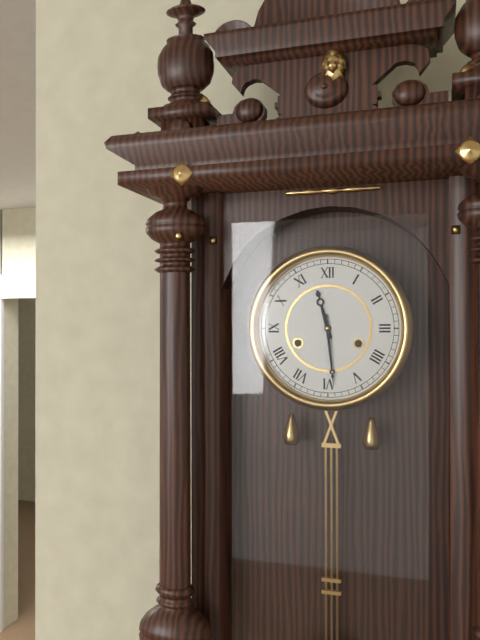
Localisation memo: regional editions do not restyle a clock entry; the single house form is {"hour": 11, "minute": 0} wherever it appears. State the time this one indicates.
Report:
{"hour": 11, "minute": 29}
